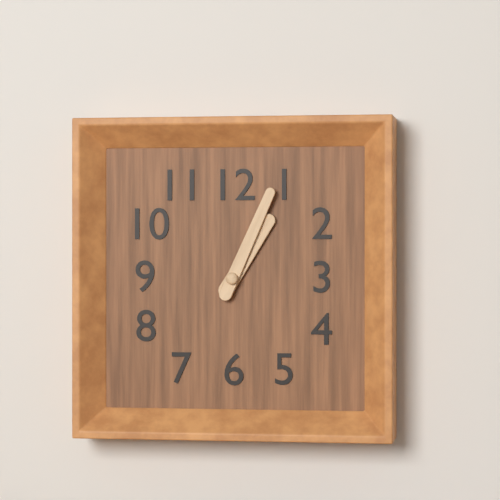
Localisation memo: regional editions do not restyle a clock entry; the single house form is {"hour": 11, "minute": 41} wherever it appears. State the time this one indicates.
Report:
{"hour": 1, "minute": 4}
